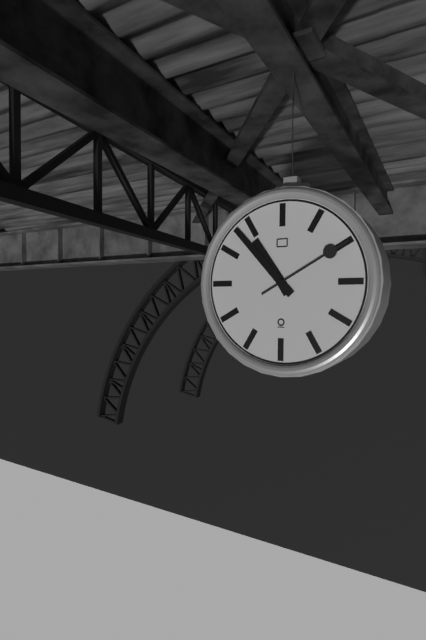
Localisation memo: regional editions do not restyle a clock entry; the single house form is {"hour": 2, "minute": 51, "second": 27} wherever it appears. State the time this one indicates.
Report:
{"hour": 10, "minute": 53, "second": 10}
